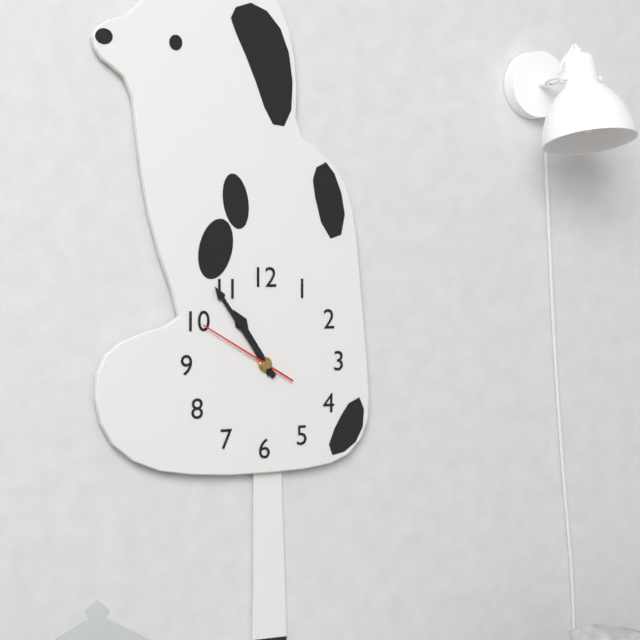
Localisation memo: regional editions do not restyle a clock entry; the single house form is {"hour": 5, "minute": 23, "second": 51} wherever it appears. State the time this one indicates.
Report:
{"hour": 10, "minute": 54, "second": 50}
